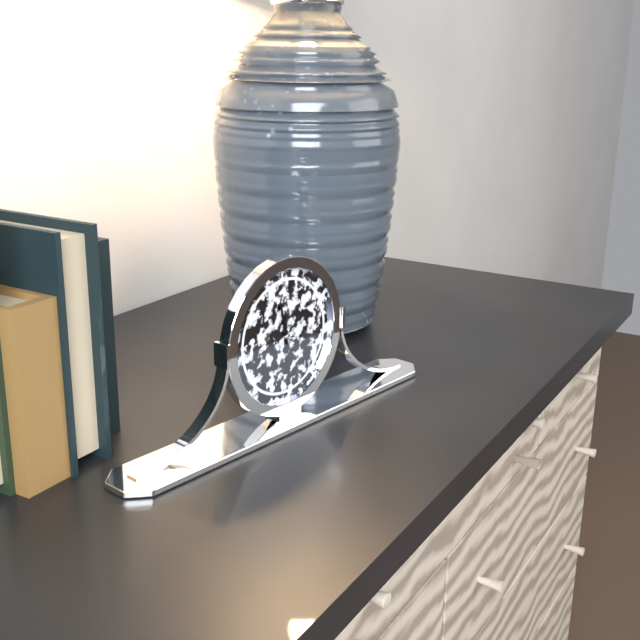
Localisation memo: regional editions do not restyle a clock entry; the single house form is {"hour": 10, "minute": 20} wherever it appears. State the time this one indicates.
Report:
{"hour": 11, "minute": 58}
